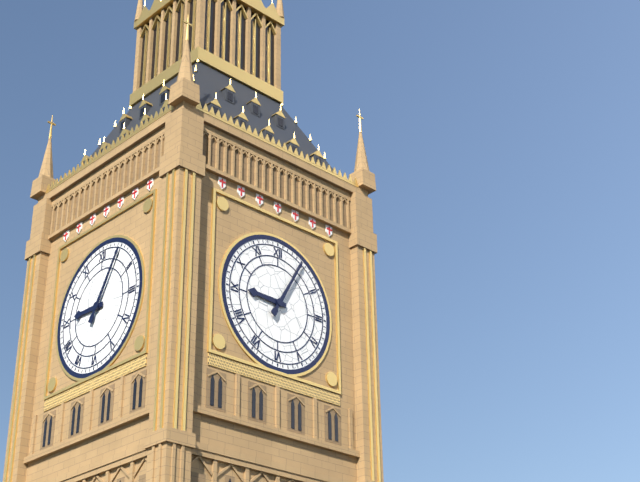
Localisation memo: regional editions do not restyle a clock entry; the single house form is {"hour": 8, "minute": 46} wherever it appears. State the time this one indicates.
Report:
{"hour": 9, "minute": 5}
